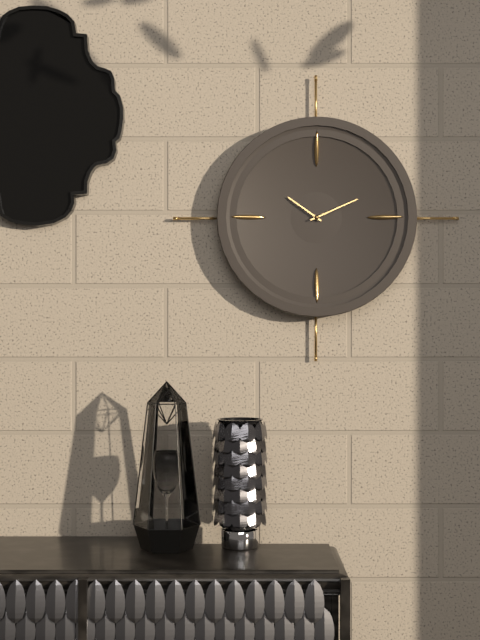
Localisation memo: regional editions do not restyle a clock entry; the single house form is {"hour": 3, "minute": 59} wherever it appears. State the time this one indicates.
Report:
{"hour": 10, "minute": 11}
